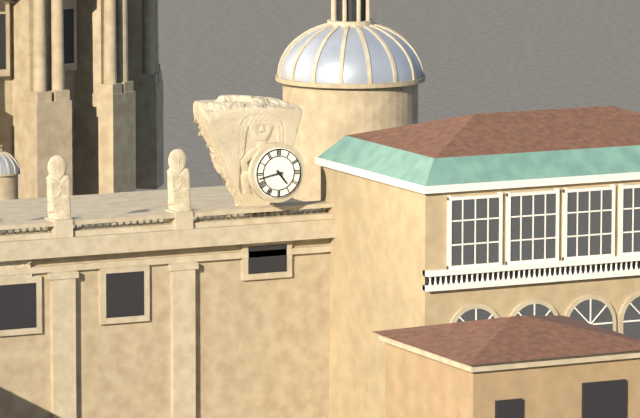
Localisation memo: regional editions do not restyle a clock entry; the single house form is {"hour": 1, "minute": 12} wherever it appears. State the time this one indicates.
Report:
{"hour": 4, "minute": 43}
